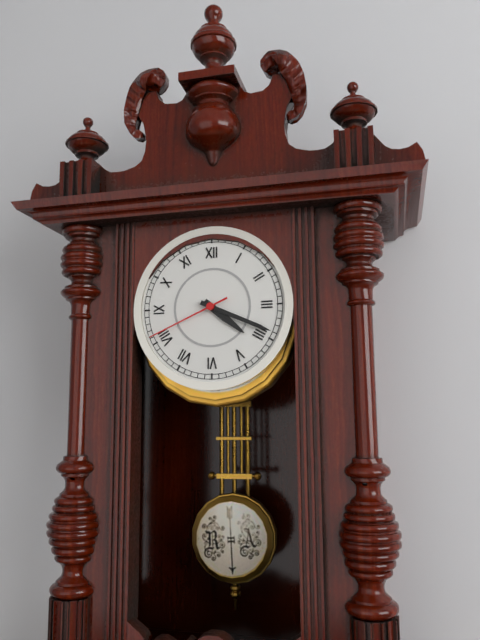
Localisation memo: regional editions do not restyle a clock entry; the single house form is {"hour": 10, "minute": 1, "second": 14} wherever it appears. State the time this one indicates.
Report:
{"hour": 4, "minute": 19, "second": 41}
